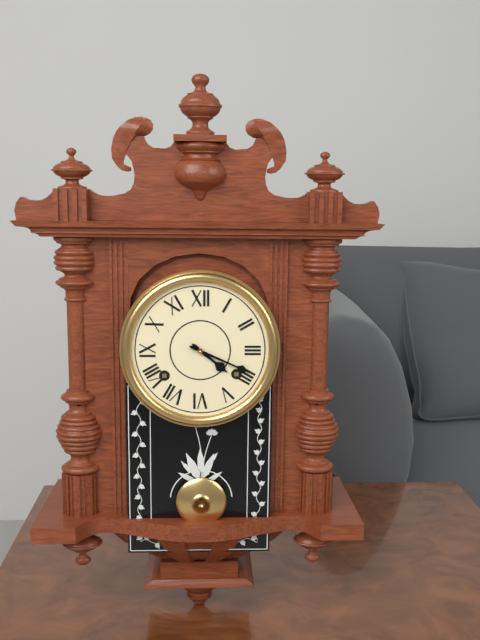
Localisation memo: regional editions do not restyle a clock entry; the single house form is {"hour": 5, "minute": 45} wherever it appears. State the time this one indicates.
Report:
{"hour": 4, "minute": 19}
